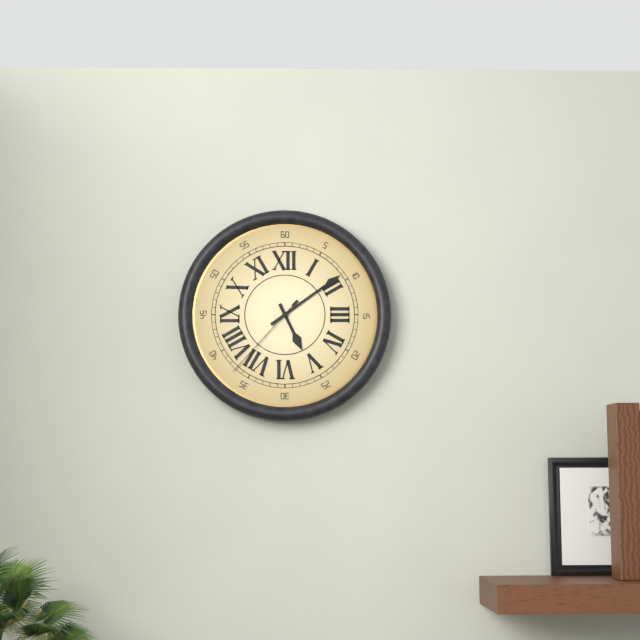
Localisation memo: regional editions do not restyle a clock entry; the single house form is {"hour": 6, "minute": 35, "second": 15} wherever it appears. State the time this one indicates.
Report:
{"hour": 5, "minute": 9, "second": 37}
